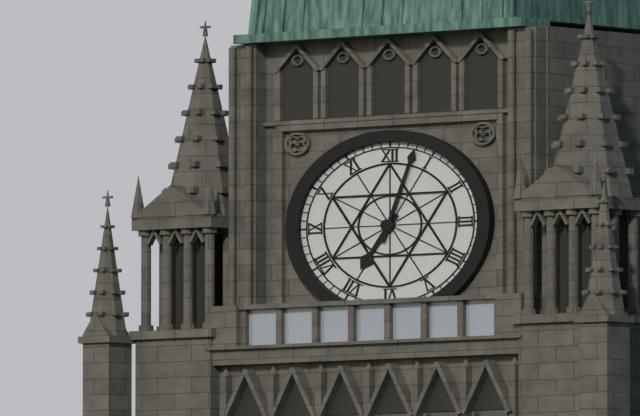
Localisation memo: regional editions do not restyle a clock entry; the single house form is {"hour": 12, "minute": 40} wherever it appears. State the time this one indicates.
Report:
{"hour": 7, "minute": 3}
